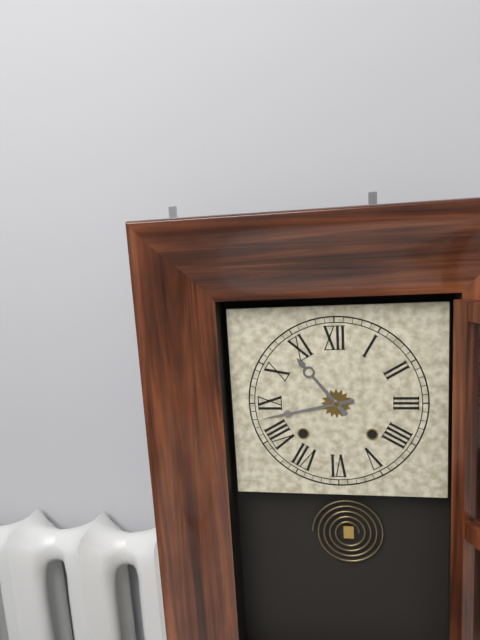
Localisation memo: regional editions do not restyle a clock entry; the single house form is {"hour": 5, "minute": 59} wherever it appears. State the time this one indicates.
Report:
{"hour": 10, "minute": 43}
